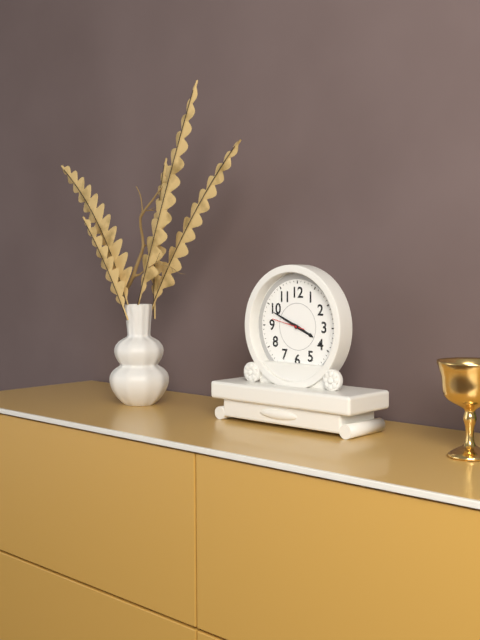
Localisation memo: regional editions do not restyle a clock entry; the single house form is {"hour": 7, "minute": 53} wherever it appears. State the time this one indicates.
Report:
{"hour": 3, "minute": 49}
